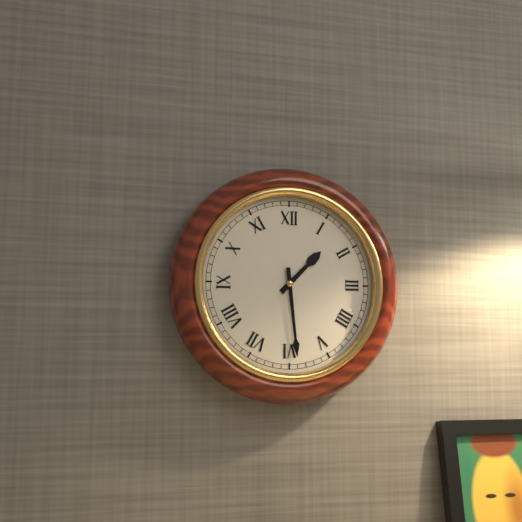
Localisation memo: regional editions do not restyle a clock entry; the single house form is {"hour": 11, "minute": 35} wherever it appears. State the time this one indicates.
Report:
{"hour": 1, "minute": 29}
